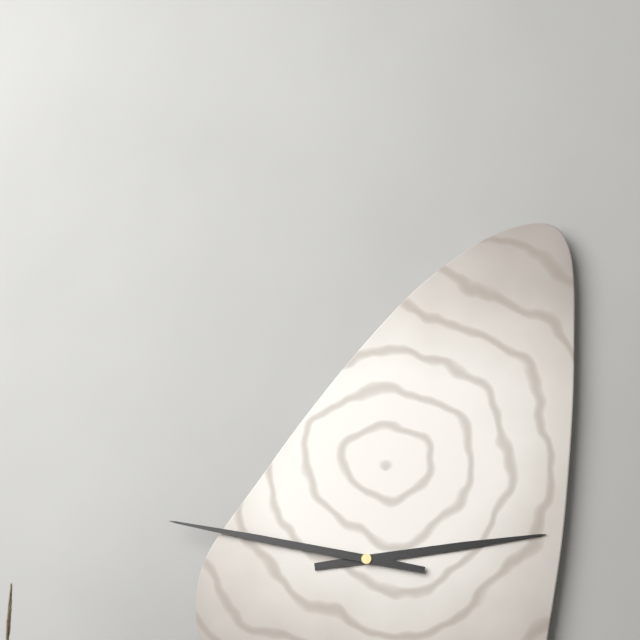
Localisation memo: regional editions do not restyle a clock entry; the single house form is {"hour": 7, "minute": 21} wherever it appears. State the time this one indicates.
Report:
{"hour": 2, "minute": 47}
